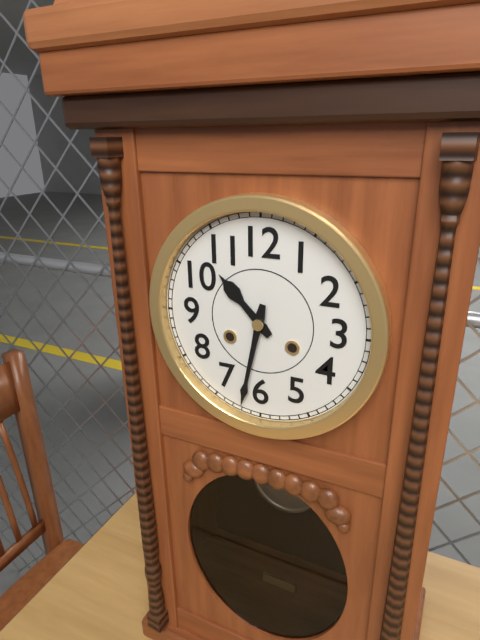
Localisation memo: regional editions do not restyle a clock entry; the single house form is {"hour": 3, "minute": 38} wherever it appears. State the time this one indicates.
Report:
{"hour": 10, "minute": 32}
